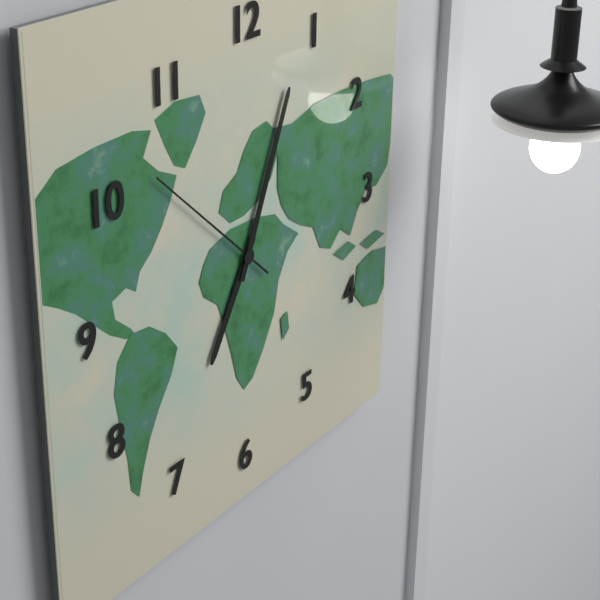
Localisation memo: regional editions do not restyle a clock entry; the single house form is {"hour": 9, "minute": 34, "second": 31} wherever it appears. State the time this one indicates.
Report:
{"hour": 7, "minute": 4, "second": 52}
